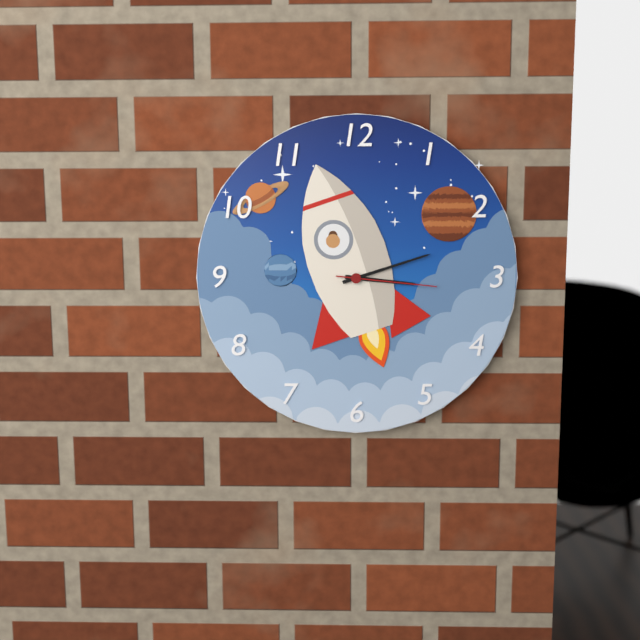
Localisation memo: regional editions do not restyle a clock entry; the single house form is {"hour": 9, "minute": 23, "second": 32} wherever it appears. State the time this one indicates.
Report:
{"hour": 3, "minute": 12, "second": 16}
